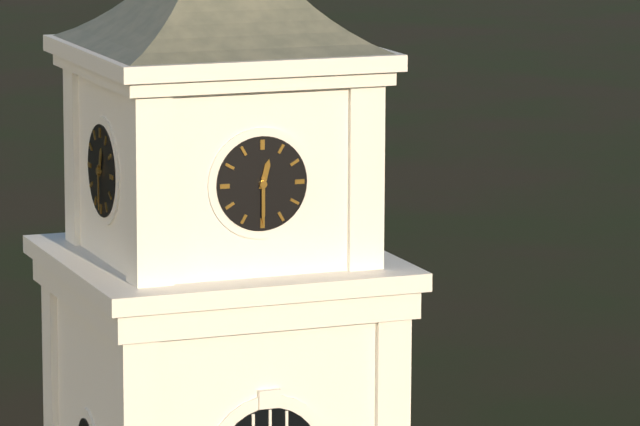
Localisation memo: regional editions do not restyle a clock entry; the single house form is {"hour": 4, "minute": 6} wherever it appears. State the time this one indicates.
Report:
{"hour": 12, "minute": 30}
